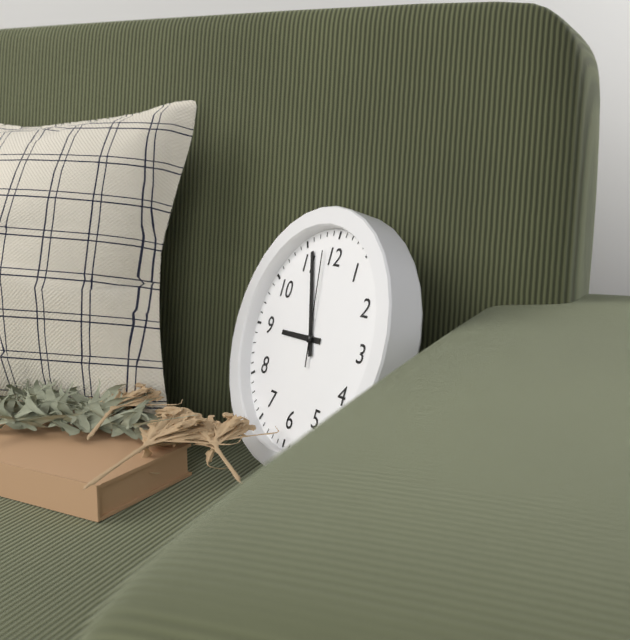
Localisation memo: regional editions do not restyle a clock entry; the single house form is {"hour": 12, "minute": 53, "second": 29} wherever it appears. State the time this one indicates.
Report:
{"hour": 8, "minute": 56, "second": 58}
